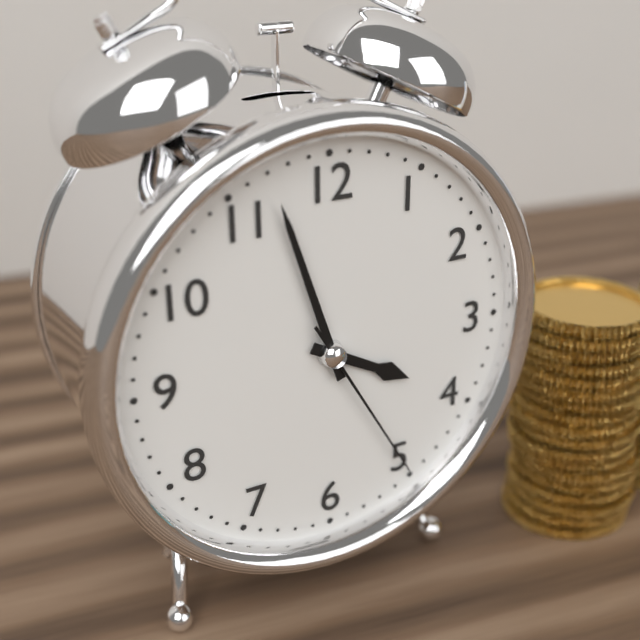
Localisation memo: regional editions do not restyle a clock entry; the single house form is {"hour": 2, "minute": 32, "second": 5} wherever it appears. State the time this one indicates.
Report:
{"hour": 3, "minute": 57, "second": 25}
